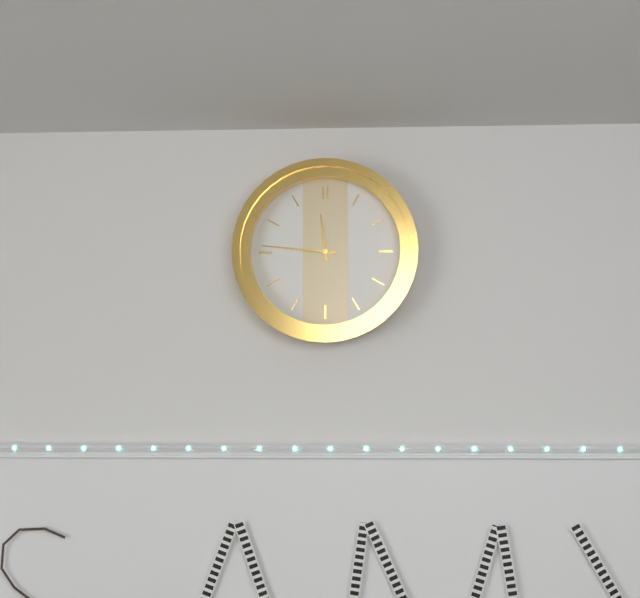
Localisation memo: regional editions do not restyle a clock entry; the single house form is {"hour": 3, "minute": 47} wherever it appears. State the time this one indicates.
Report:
{"hour": 11, "minute": 46}
